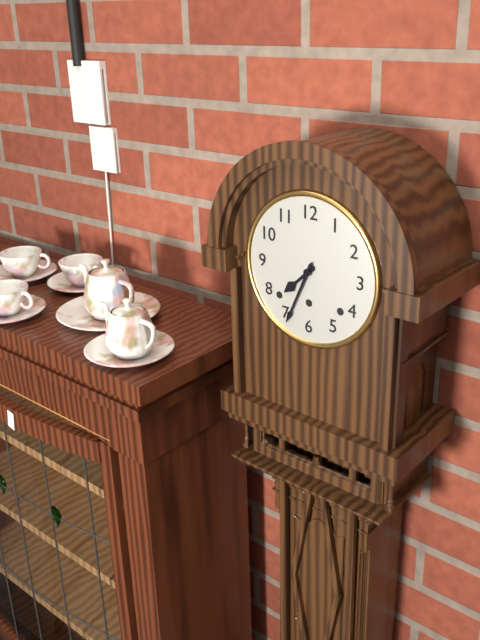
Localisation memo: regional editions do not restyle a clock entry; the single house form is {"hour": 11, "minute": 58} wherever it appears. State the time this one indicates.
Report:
{"hour": 7, "minute": 34}
